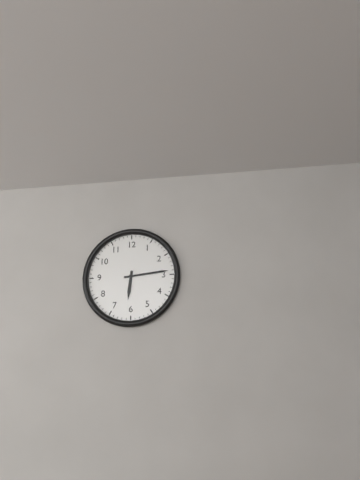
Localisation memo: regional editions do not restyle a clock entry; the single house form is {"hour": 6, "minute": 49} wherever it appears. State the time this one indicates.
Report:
{"hour": 6, "minute": 14}
